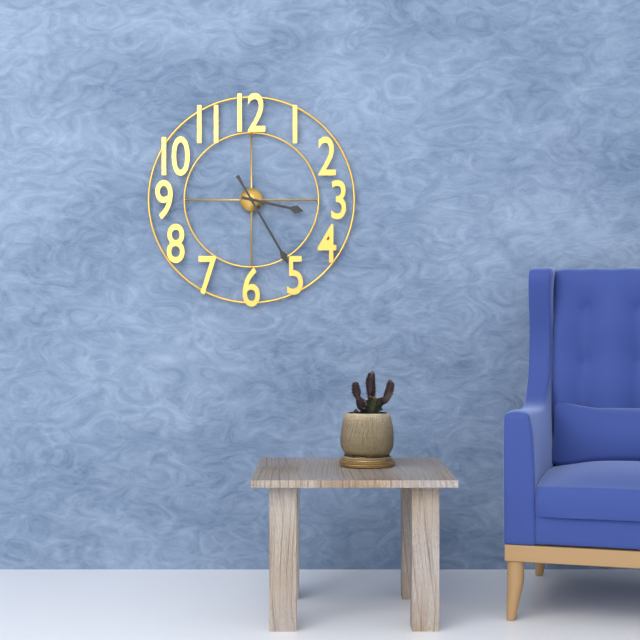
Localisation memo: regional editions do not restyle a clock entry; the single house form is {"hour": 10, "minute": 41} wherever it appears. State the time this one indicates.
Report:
{"hour": 3, "minute": 25}
